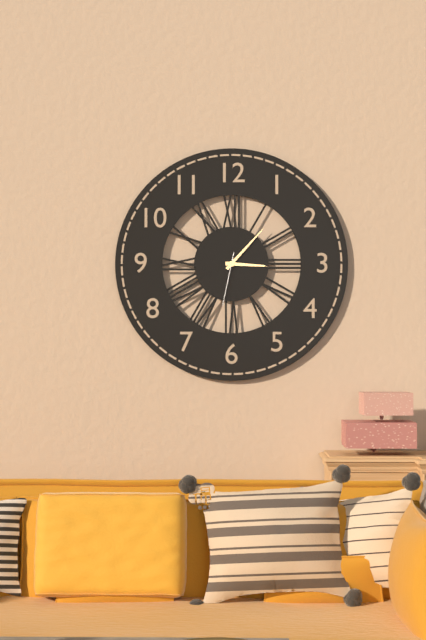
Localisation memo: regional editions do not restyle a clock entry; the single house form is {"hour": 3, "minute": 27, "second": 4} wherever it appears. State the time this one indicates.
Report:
{"hour": 3, "minute": 7, "second": 32}
